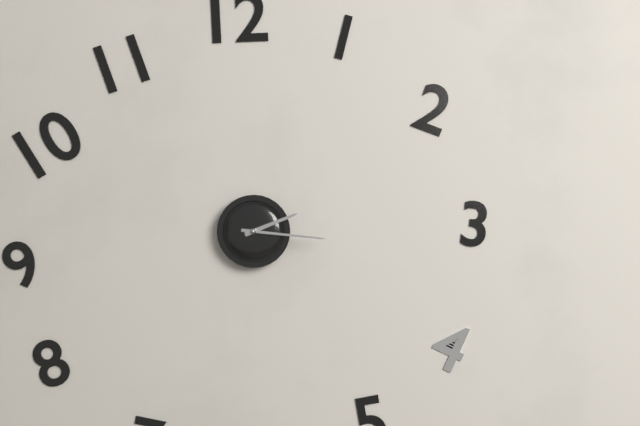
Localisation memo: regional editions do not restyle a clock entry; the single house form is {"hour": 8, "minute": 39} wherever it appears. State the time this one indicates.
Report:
{"hour": 2, "minute": 16}
